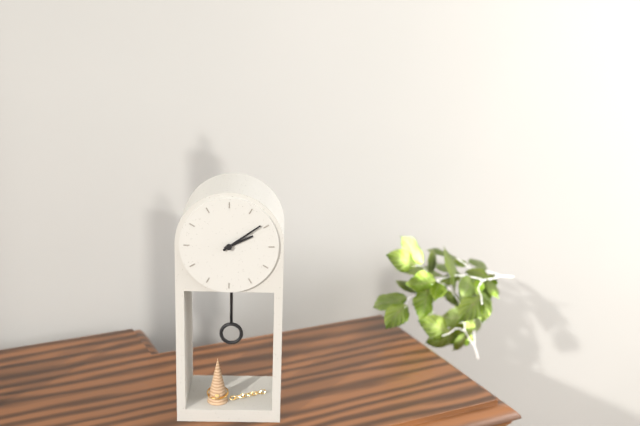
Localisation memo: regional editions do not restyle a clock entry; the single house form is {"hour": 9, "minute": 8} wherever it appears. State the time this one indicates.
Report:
{"hour": 2, "minute": 9}
